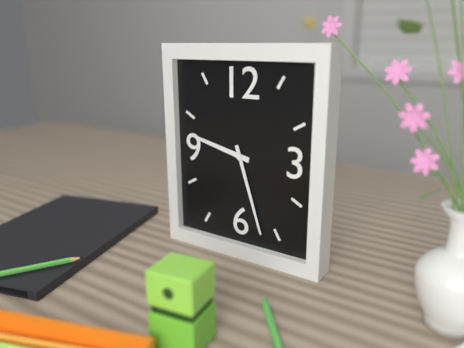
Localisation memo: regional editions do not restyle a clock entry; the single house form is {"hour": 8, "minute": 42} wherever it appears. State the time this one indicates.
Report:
{"hour": 9, "minute": 27}
